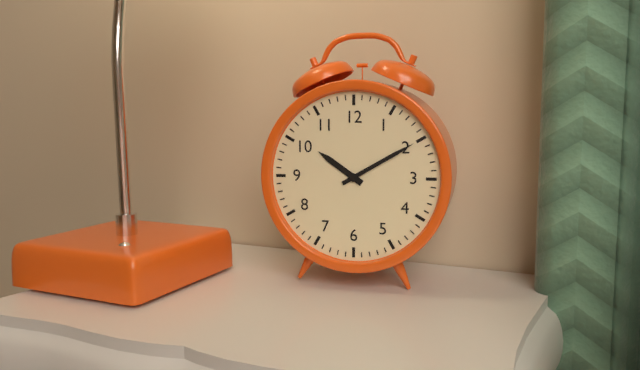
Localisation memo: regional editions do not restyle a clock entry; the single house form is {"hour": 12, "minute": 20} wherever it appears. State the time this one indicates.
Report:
{"hour": 10, "minute": 10}
